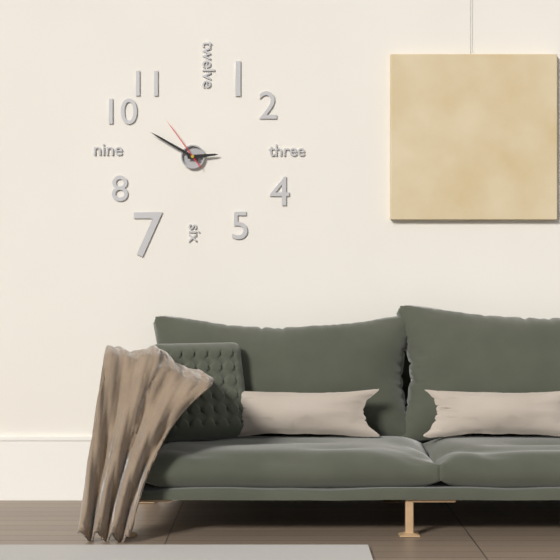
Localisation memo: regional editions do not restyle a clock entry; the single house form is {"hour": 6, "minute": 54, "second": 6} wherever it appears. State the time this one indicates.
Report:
{"hour": 2, "minute": 50, "second": 54}
